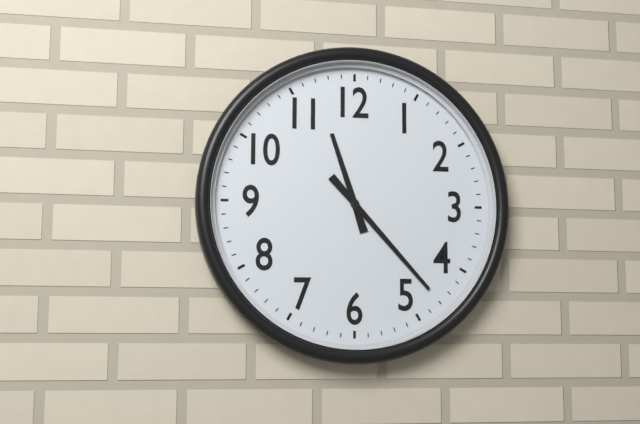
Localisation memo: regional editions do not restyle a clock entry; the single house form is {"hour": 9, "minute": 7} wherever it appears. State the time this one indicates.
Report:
{"hour": 11, "minute": 23}
